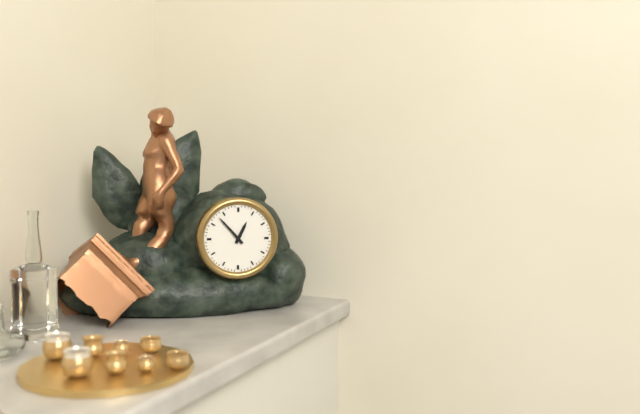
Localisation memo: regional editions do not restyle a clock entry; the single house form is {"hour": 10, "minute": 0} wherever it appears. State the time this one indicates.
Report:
{"hour": 12, "minute": 53}
